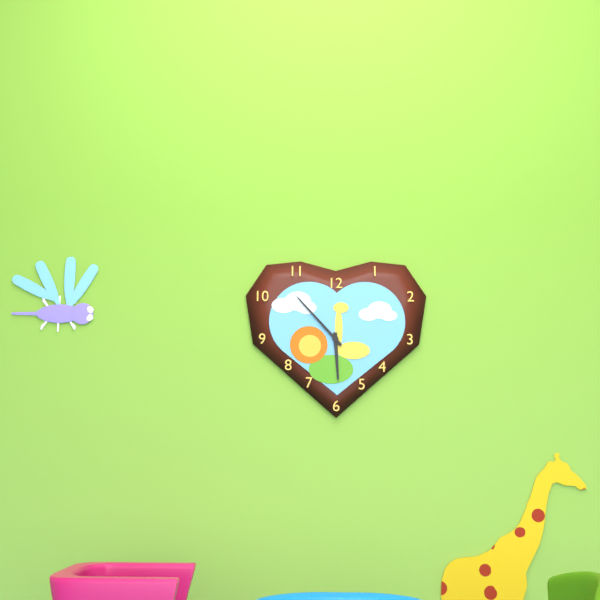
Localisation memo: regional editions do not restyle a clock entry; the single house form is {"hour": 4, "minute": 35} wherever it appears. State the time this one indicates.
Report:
{"hour": 5, "minute": 53}
